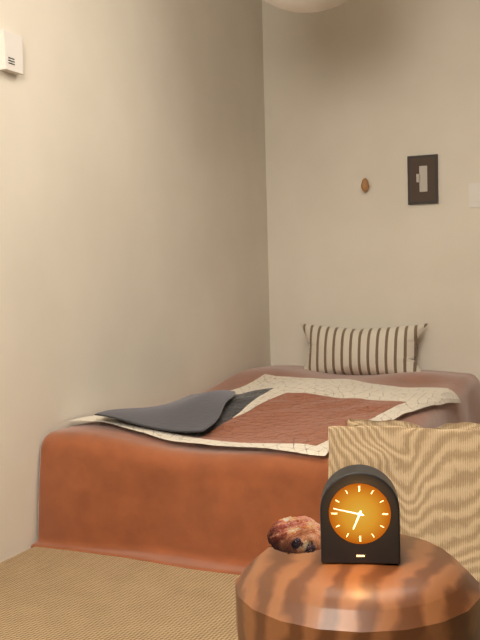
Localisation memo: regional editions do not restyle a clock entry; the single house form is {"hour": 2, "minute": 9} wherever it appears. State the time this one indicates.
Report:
{"hour": 6, "minute": 47}
